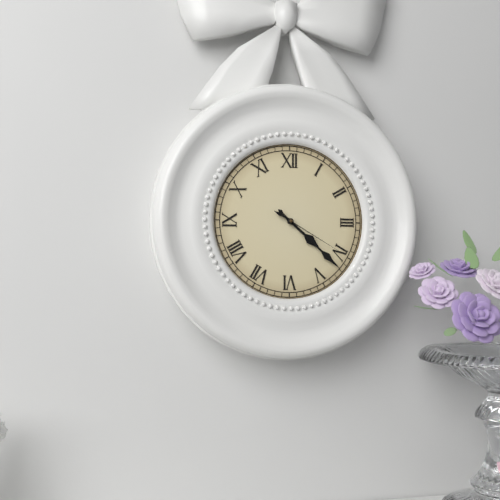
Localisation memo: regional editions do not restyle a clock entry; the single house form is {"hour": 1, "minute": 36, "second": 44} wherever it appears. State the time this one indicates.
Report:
{"hour": 4, "minute": 22, "second": 20}
